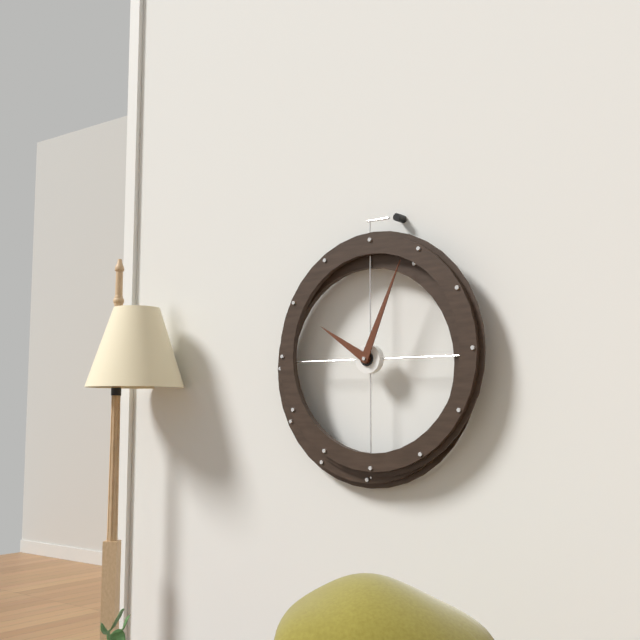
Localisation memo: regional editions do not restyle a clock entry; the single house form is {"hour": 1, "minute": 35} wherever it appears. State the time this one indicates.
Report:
{"hour": 10, "minute": 4}
